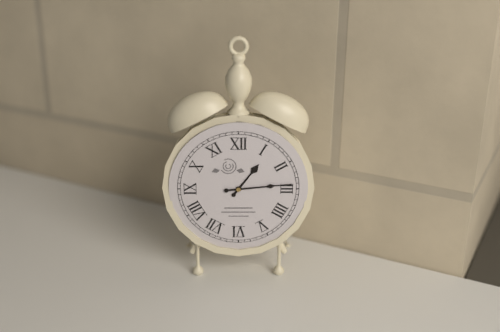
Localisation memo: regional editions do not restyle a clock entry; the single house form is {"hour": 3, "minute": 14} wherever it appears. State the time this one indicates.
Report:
{"hour": 1, "minute": 14}
